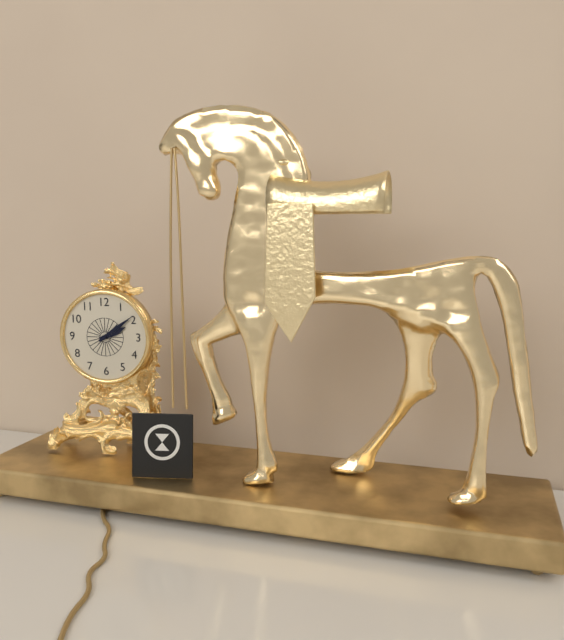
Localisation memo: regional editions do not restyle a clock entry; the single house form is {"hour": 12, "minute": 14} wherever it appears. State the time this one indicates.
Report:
{"hour": 2, "minute": 9}
